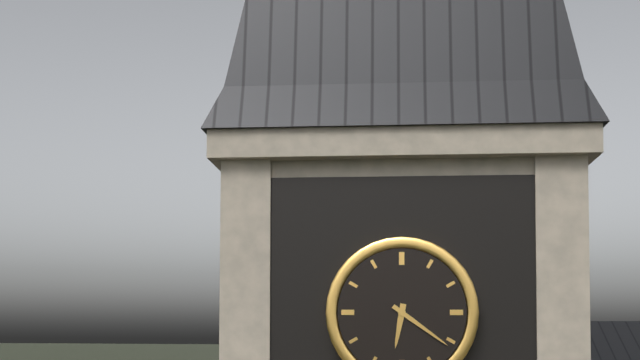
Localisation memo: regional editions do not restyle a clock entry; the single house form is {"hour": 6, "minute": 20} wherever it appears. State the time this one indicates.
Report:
{"hour": 6, "minute": 21}
